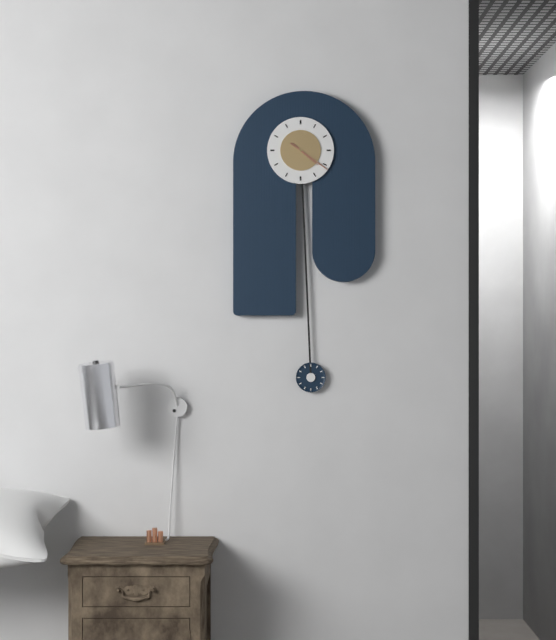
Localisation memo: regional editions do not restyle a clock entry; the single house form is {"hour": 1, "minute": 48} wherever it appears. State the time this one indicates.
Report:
{"hour": 4, "minute": 21}
